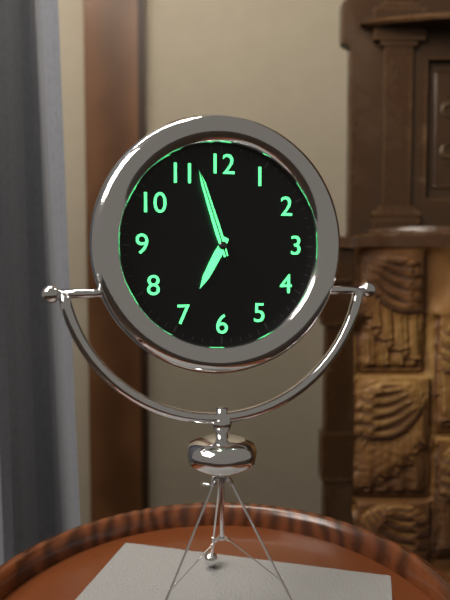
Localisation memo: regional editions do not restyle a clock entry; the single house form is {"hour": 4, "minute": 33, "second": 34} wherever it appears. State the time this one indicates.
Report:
{"hour": 6, "minute": 57, "second": 57}
